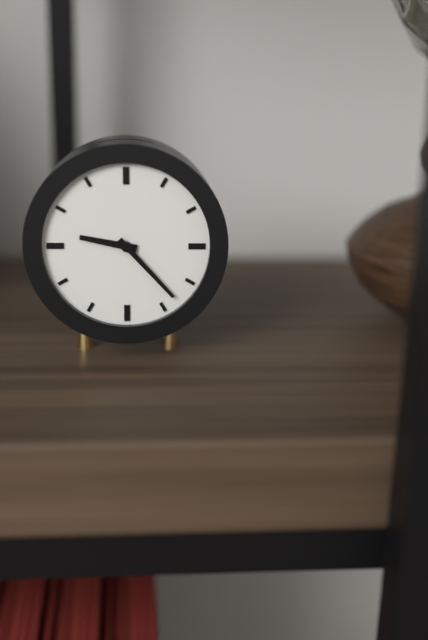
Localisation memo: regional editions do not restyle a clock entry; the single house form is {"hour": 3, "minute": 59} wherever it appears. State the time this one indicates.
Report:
{"hour": 9, "minute": 23}
